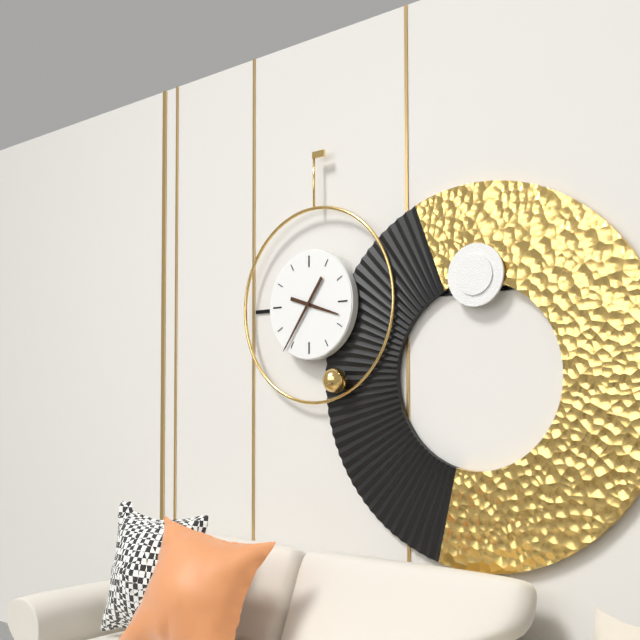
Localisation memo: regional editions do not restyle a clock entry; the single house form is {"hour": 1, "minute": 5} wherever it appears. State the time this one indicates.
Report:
{"hour": 3, "minute": 36}
